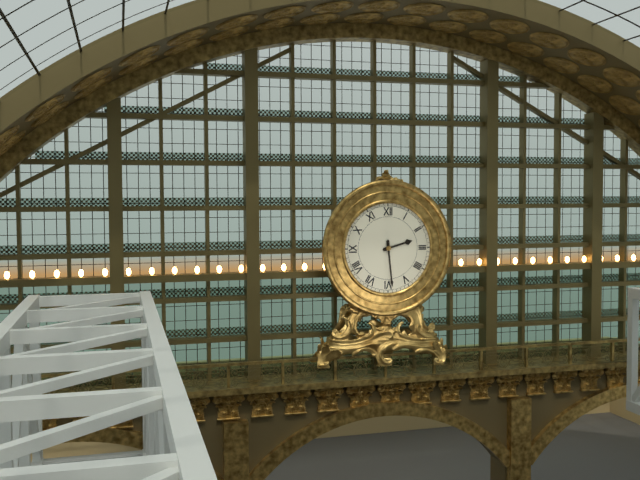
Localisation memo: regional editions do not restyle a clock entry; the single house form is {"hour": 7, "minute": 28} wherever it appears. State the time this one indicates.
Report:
{"hour": 2, "minute": 29}
